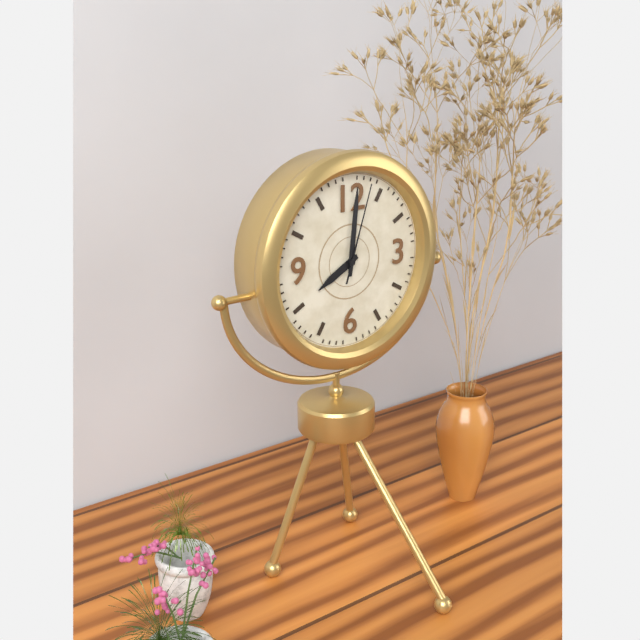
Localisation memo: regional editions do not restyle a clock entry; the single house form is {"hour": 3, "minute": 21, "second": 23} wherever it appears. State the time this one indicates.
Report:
{"hour": 8, "minute": 1, "second": 3}
